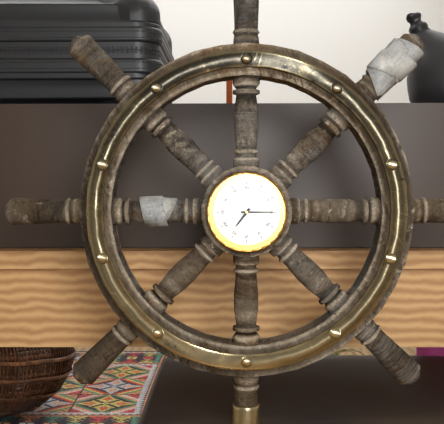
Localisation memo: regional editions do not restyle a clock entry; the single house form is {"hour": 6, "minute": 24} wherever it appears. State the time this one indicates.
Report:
{"hour": 7, "minute": 15}
